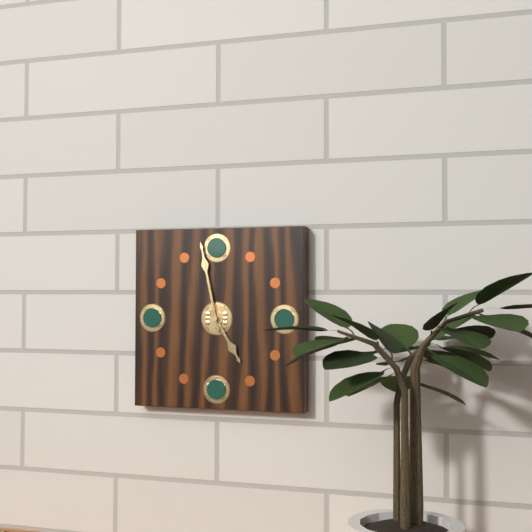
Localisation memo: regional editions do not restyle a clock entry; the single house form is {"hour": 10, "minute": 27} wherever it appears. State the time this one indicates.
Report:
{"hour": 4, "minute": 58}
